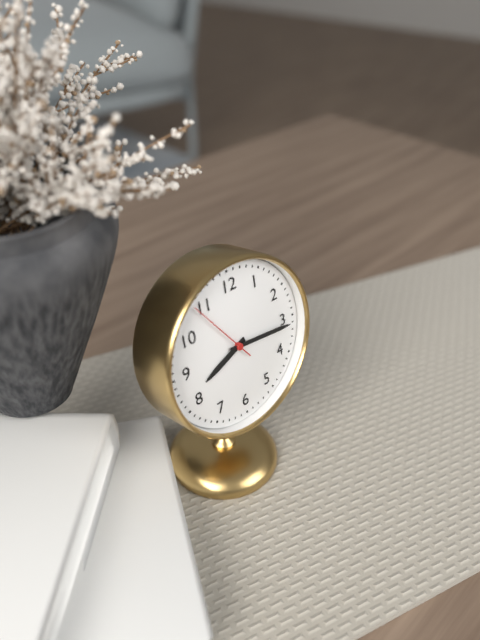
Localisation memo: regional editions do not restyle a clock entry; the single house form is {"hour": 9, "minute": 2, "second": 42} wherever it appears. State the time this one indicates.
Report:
{"hour": 8, "minute": 16, "second": 54}
